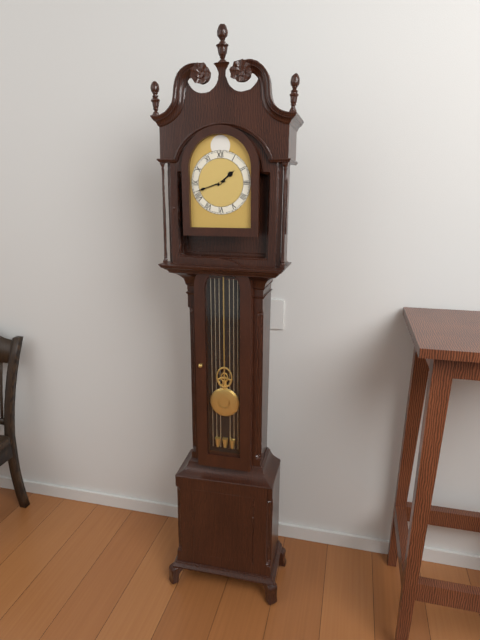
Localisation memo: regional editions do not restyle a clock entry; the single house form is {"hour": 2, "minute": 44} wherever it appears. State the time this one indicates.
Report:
{"hour": 1, "minute": 42}
